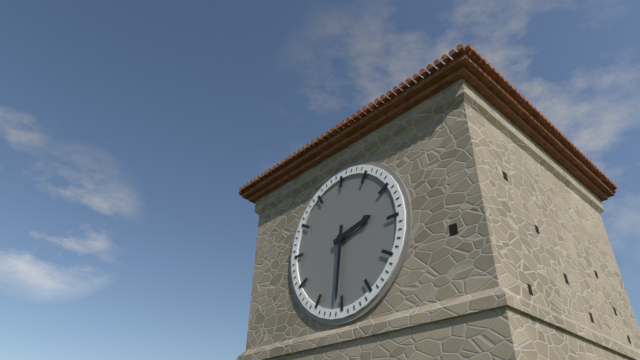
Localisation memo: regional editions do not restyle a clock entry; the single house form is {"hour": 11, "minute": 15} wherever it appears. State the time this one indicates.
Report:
{"hour": 2, "minute": 31}
